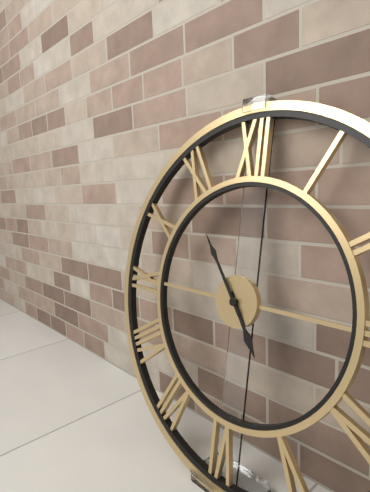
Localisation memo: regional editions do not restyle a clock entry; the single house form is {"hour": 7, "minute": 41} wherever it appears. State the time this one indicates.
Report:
{"hour": 4, "minute": 54}
